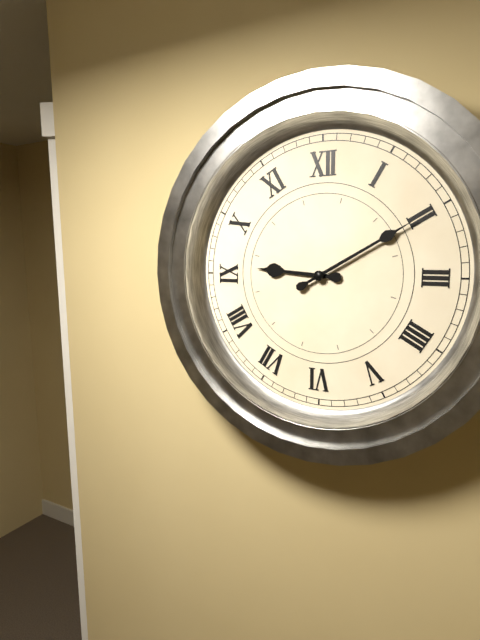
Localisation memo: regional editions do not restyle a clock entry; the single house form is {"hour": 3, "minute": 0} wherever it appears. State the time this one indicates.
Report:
{"hour": 9, "minute": 10}
